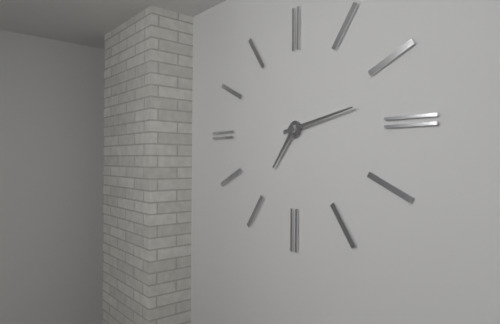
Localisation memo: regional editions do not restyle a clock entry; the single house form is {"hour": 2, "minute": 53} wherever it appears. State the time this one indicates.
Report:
{"hour": 7, "minute": 13}
